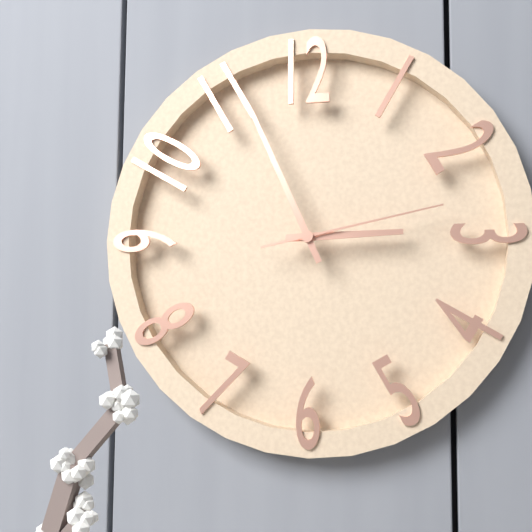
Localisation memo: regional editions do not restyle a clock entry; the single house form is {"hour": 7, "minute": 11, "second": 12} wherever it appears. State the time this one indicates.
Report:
{"hour": 2, "minute": 56, "second": 13}
